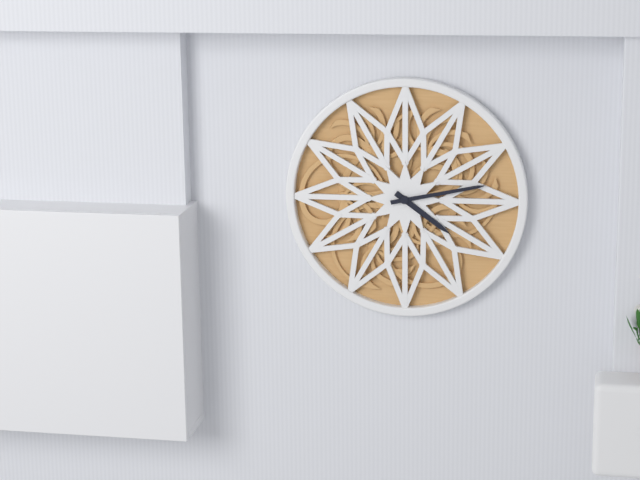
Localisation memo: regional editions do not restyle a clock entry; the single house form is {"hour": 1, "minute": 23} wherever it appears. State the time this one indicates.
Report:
{"hour": 4, "minute": 13}
